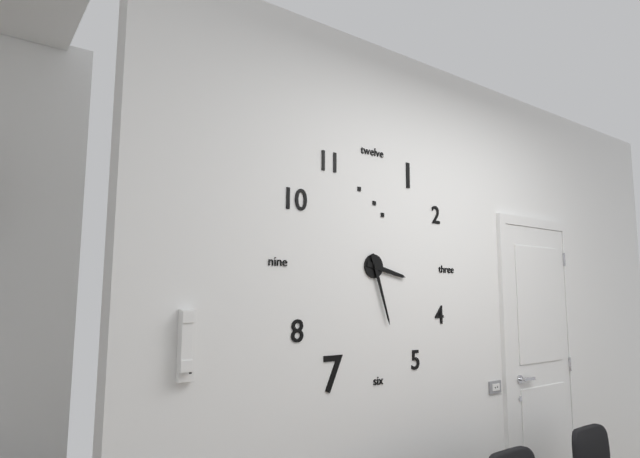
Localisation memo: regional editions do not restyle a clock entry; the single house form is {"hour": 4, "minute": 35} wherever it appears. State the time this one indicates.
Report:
{"hour": 3, "minute": 27}
